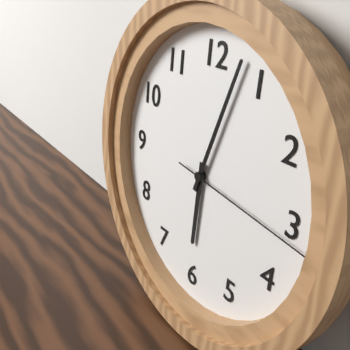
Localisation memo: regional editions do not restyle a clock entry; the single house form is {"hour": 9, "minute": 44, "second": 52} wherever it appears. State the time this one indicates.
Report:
{"hour": 6, "minute": 3, "second": 16}
